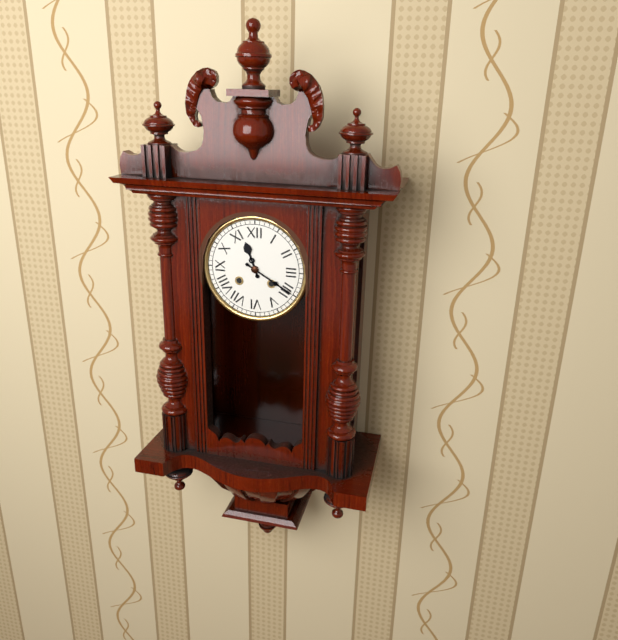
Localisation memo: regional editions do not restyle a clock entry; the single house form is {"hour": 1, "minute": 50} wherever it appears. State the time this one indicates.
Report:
{"hour": 11, "minute": 20}
